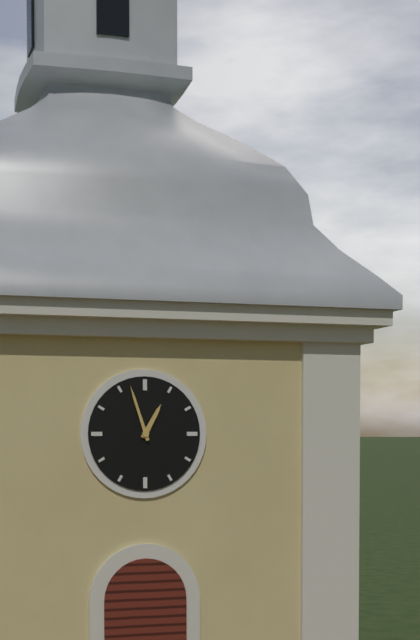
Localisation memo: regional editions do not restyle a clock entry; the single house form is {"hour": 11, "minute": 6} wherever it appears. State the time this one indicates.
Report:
{"hour": 12, "minute": 57}
